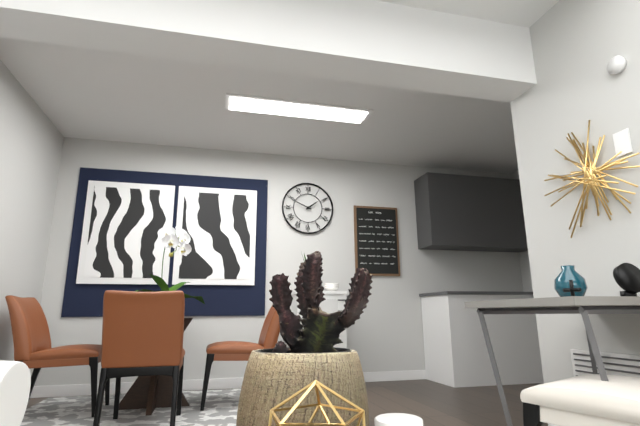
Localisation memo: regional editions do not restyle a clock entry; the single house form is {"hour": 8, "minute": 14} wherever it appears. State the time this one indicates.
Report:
{"hour": 1, "minute": 49}
